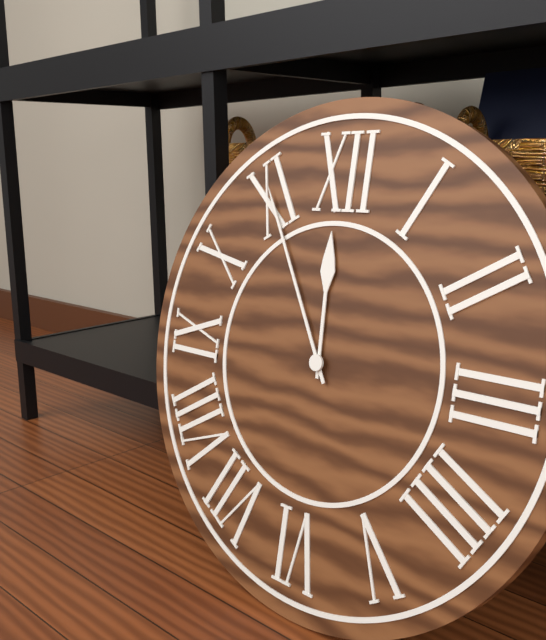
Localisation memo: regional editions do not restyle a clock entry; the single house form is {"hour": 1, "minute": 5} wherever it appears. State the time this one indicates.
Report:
{"hour": 11, "minute": 55}
